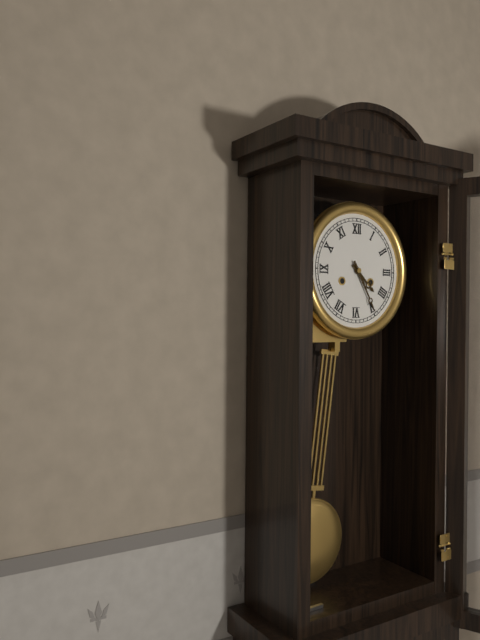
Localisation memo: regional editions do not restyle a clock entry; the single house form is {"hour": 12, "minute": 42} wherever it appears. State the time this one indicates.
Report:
{"hour": 4, "minute": 25}
